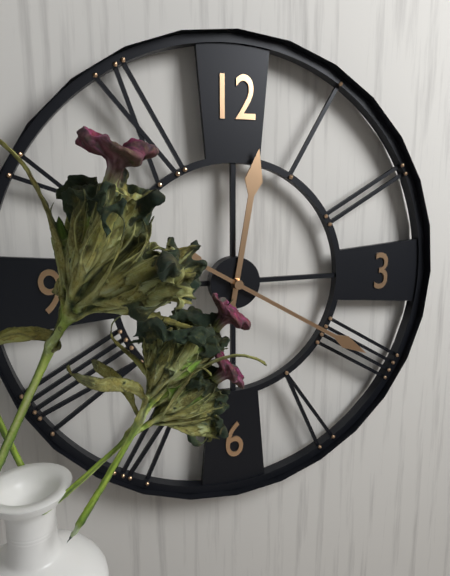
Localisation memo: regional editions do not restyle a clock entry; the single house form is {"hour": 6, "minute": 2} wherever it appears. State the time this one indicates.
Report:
{"hour": 12, "minute": 20}
